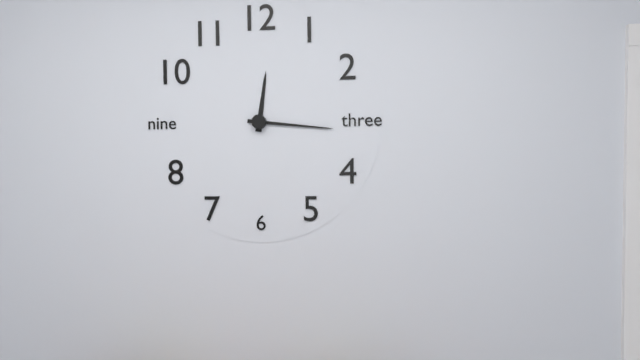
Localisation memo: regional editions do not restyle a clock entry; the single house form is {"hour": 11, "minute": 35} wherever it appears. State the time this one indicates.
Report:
{"hour": 12, "minute": 16}
